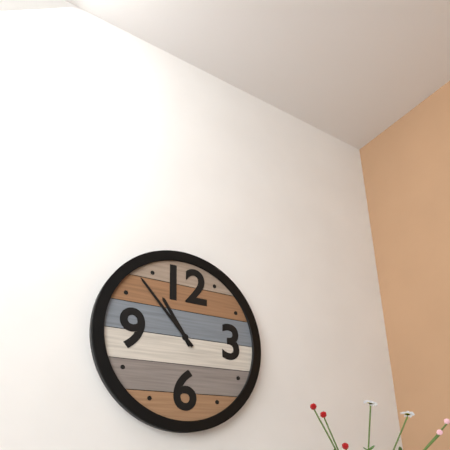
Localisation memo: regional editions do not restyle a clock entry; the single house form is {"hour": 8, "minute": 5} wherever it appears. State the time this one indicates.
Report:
{"hour": 10, "minute": 53}
